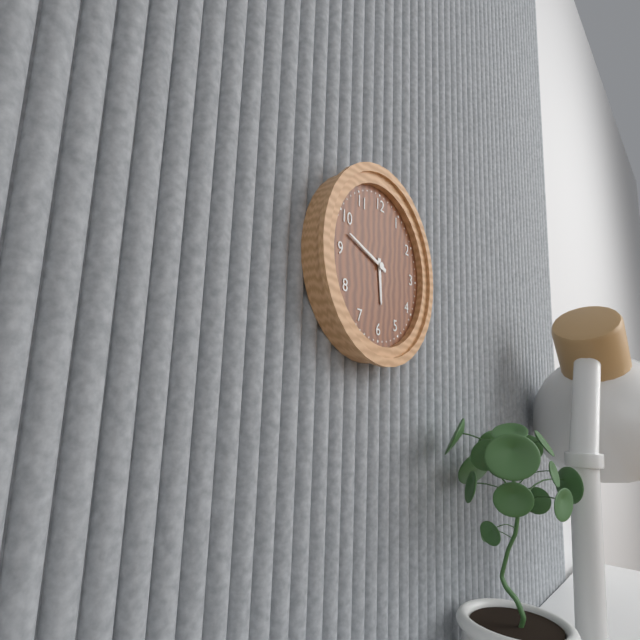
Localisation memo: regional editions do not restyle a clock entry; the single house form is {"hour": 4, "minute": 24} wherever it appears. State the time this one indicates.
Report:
{"hour": 5, "minute": 48}
